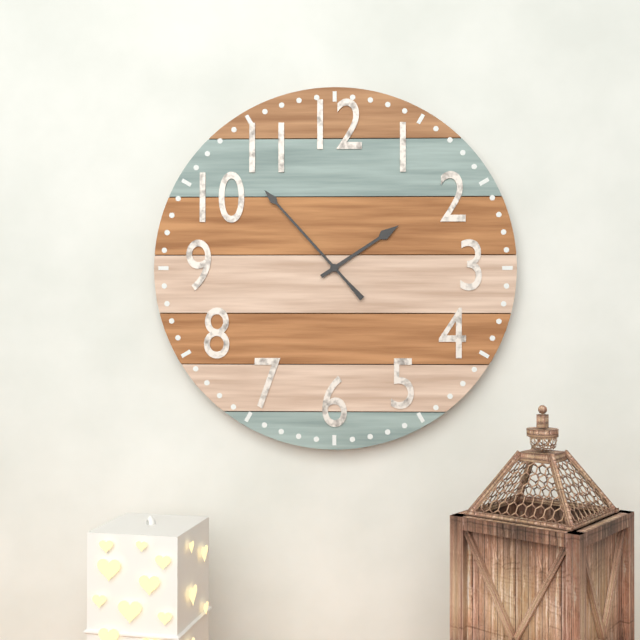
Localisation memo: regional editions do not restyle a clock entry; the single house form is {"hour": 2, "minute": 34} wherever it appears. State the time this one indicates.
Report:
{"hour": 1, "minute": 53}
